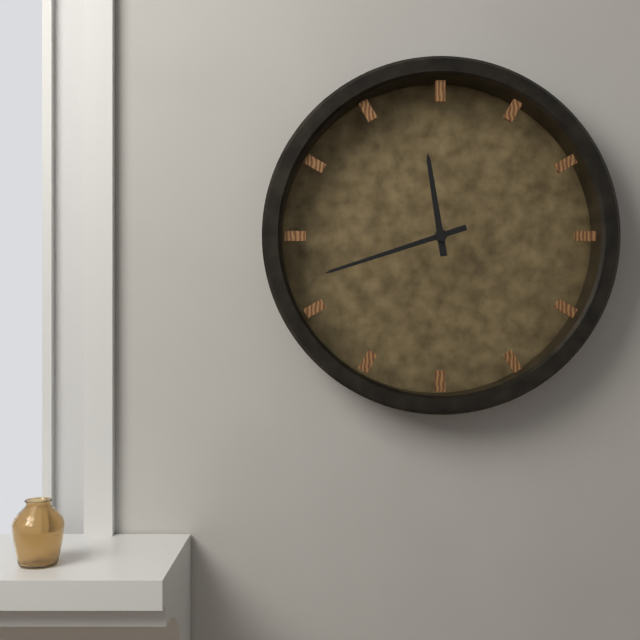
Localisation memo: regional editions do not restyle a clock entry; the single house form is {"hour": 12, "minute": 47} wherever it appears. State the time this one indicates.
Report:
{"hour": 11, "minute": 42}
